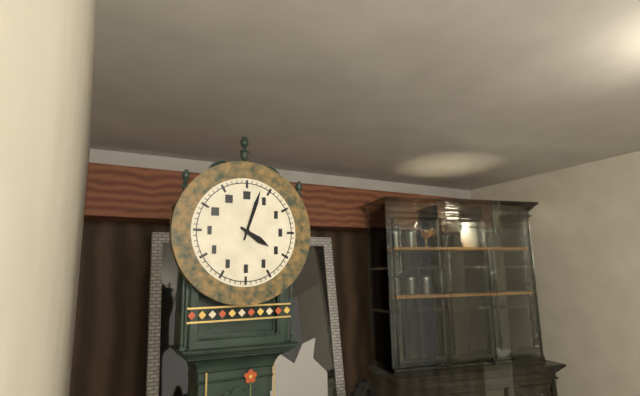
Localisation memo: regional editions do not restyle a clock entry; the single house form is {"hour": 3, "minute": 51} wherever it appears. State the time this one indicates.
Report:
{"hour": 4, "minute": 3}
